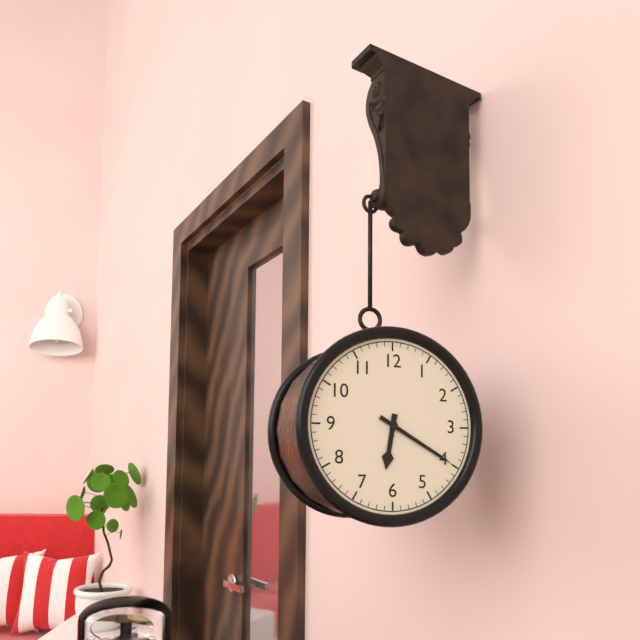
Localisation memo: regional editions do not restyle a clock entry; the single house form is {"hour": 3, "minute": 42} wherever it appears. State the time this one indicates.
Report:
{"hour": 6, "minute": 20}
